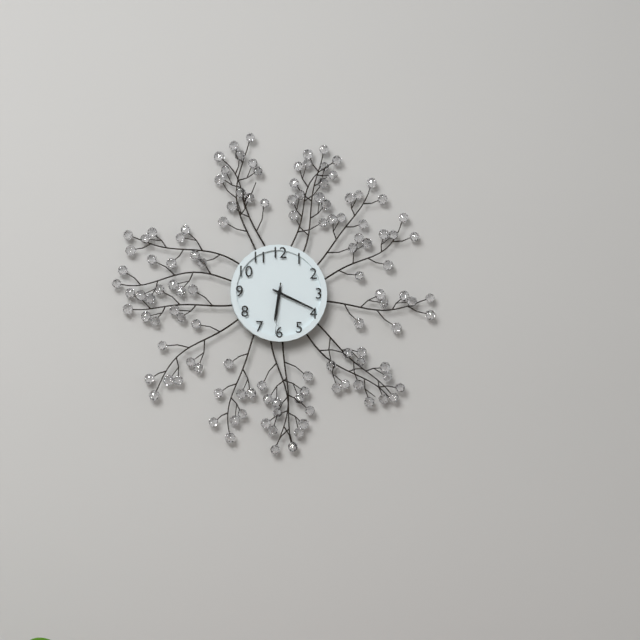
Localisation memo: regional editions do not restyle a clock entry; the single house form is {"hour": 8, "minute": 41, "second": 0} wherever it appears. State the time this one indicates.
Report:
{"hour": 6, "minute": 19, "second": 31}
